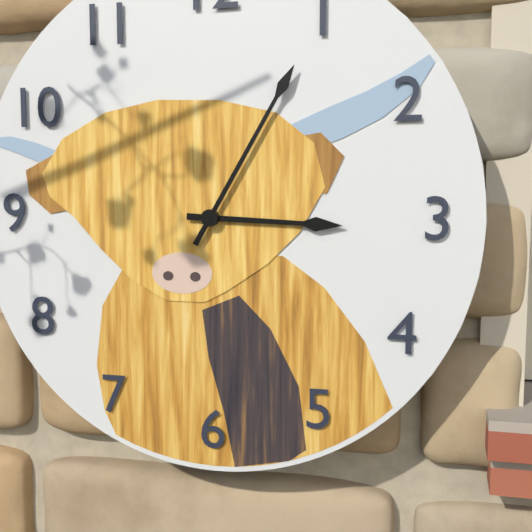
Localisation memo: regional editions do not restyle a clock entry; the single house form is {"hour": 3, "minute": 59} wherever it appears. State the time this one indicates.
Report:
{"hour": 3, "minute": 5}
